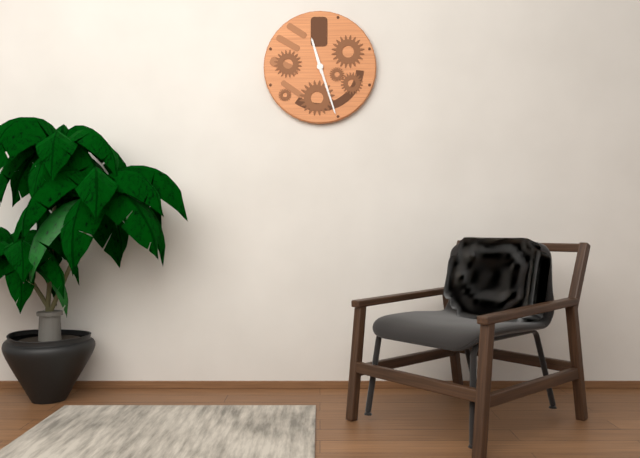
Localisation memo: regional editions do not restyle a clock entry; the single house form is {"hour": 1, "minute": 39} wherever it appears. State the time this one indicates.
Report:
{"hour": 11, "minute": 27}
